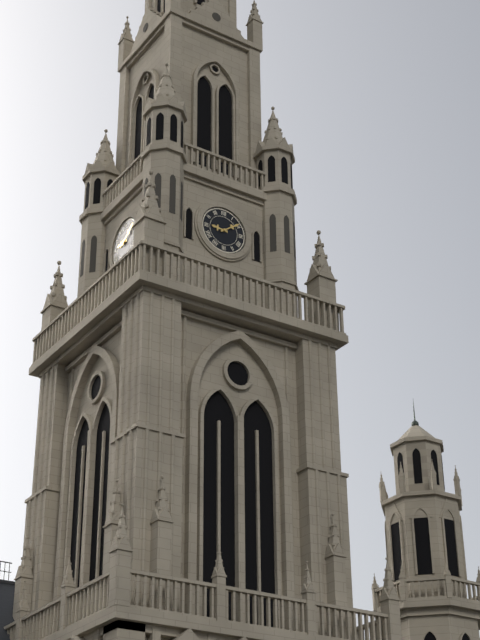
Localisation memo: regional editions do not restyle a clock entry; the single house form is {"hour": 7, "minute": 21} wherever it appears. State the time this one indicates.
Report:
{"hour": 9, "minute": 9}
